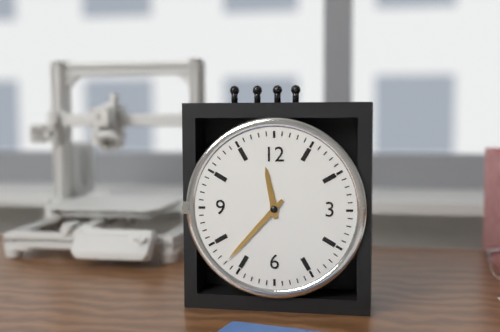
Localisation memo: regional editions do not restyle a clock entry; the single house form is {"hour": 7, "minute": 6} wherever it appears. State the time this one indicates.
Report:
{"hour": 11, "minute": 37}
